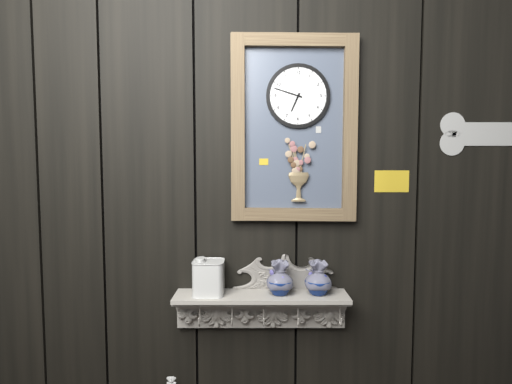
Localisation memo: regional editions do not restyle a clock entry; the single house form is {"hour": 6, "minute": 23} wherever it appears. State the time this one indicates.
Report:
{"hour": 6, "minute": 48}
